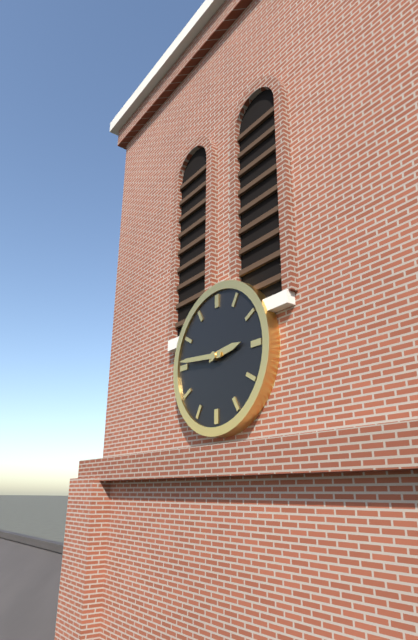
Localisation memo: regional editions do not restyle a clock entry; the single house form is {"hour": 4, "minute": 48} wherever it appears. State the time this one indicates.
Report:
{"hour": 2, "minute": 46}
